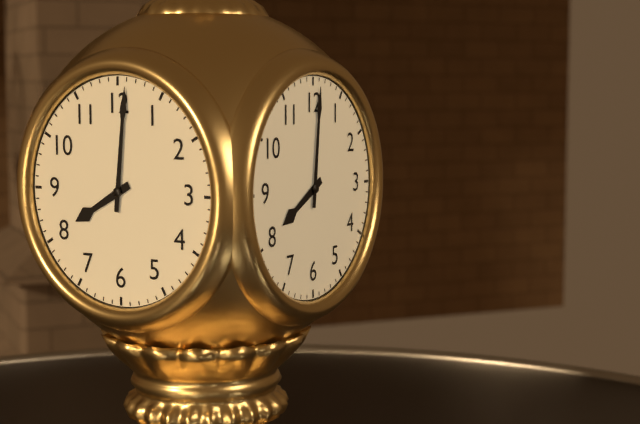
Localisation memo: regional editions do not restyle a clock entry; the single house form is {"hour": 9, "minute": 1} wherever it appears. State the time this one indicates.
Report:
{"hour": 8, "minute": 1}
